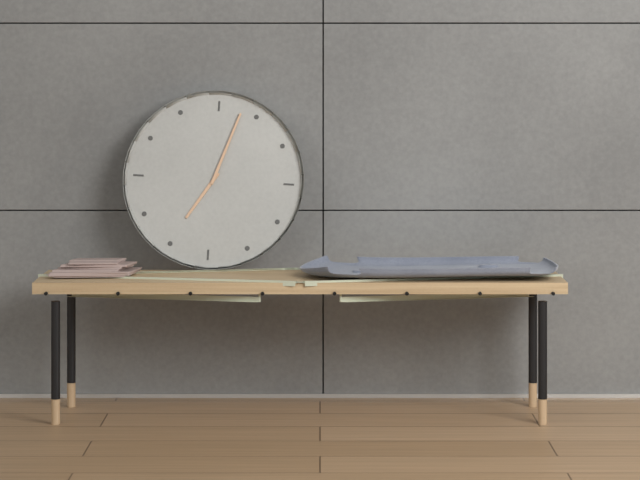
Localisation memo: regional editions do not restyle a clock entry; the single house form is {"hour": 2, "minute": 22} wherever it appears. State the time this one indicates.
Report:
{"hour": 7, "minute": 3}
